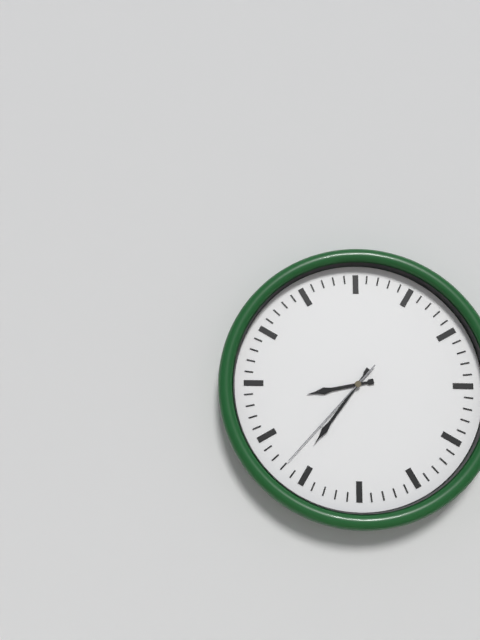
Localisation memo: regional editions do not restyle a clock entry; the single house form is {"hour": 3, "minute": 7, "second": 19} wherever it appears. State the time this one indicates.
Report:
{"hour": 8, "minute": 36, "second": 37}
